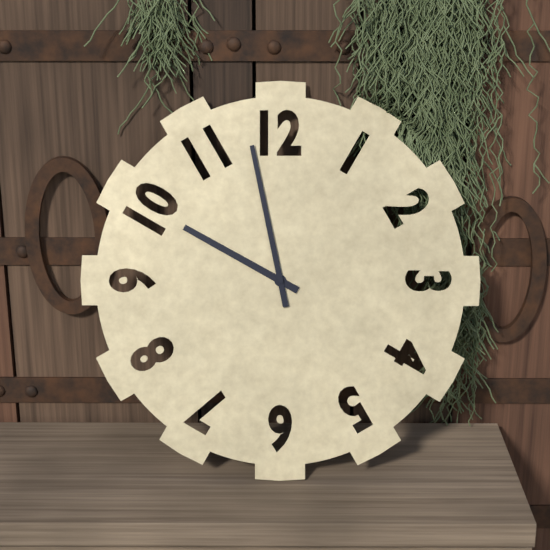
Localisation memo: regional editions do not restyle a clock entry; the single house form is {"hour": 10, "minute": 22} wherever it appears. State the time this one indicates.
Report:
{"hour": 9, "minute": 58}
